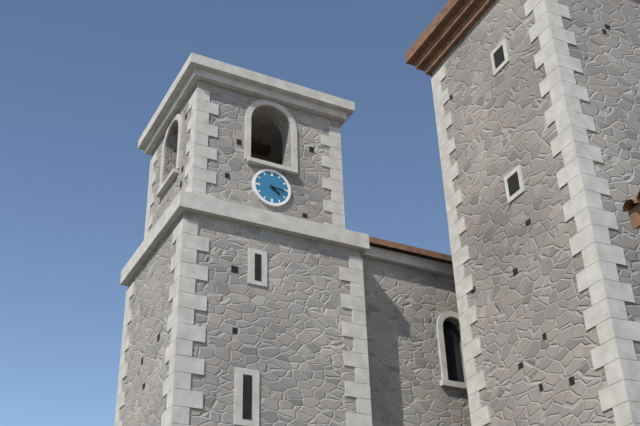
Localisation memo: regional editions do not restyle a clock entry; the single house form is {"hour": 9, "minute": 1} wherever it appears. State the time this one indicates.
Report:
{"hour": 4, "minute": 16}
